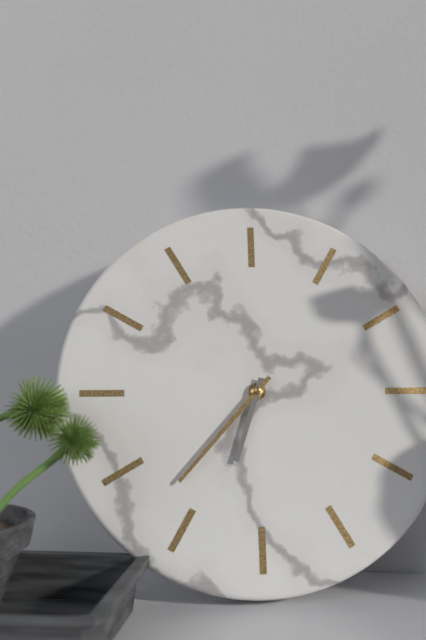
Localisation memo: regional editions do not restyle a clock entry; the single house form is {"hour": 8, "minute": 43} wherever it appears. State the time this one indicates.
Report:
{"hour": 6, "minute": 37}
